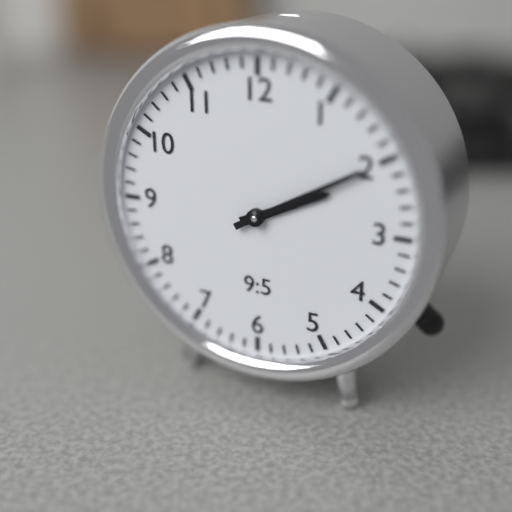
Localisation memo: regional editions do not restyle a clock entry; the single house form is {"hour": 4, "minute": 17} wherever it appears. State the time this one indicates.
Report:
{"hour": 2, "minute": 10}
